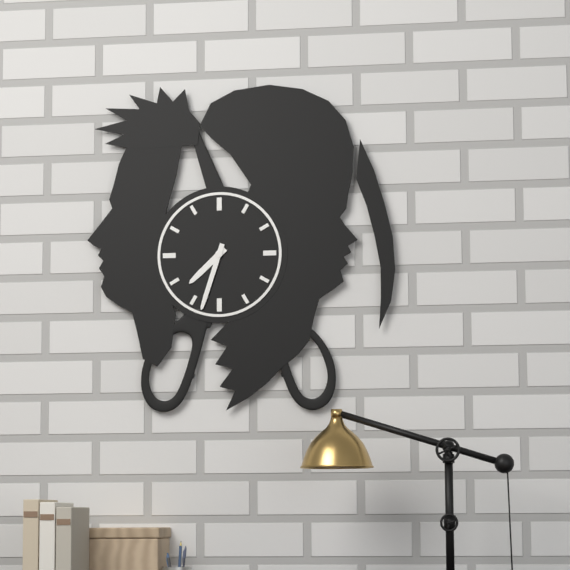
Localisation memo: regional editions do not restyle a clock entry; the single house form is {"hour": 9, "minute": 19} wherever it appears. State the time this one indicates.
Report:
{"hour": 7, "minute": 33}
